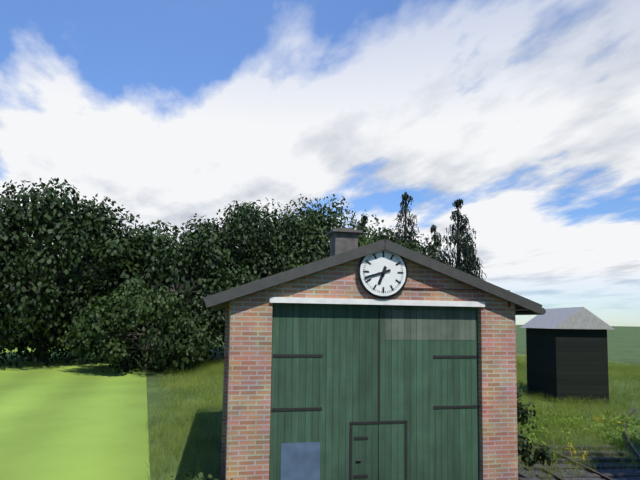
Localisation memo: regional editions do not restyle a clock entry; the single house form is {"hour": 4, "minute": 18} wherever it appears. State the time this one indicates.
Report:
{"hour": 6, "minute": 42}
